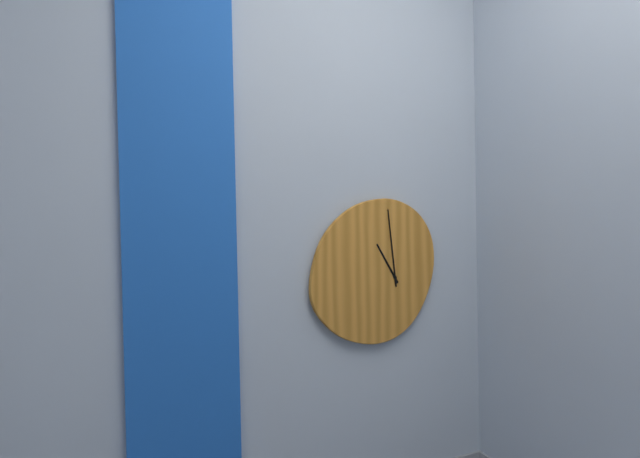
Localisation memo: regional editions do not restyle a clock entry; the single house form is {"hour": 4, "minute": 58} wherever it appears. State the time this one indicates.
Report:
{"hour": 10, "minute": 59}
